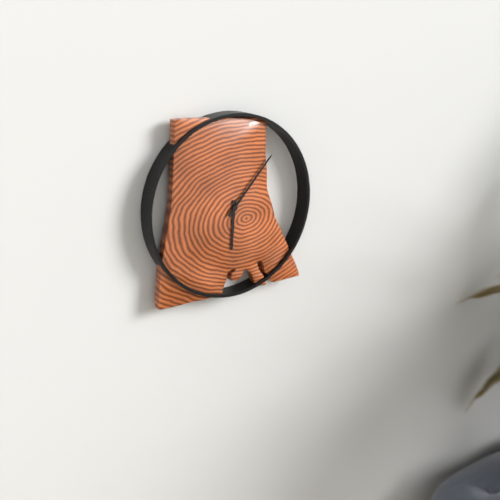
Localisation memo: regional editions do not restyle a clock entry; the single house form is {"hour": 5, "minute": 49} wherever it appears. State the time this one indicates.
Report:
{"hour": 6, "minute": 7}
